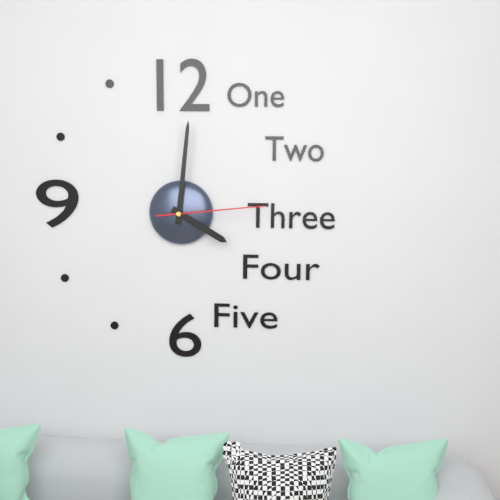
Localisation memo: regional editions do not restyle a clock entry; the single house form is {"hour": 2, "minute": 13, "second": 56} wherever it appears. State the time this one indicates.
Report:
{"hour": 4, "minute": 1, "second": 14}
